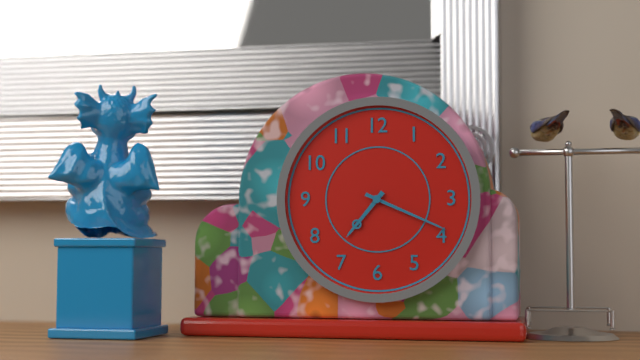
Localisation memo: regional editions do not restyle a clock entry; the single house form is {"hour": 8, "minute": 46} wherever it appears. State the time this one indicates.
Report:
{"hour": 7, "minute": 19}
